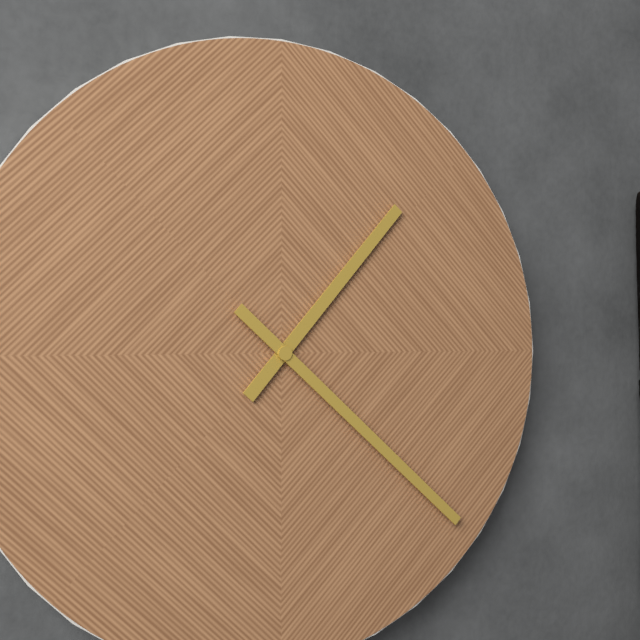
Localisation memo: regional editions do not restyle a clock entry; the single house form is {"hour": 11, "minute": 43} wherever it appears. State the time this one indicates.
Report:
{"hour": 1, "minute": 22}
